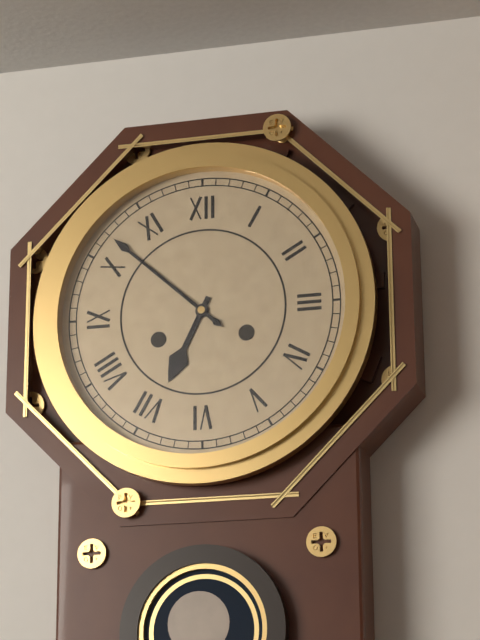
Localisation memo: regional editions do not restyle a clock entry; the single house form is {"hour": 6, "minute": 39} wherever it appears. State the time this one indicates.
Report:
{"hour": 6, "minute": 52}
